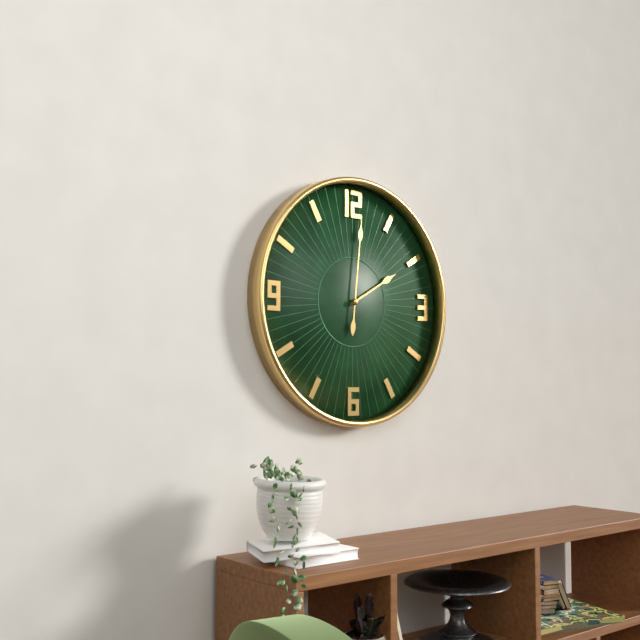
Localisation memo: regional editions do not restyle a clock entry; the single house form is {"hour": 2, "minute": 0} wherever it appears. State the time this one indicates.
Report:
{"hour": 2, "minute": 1}
